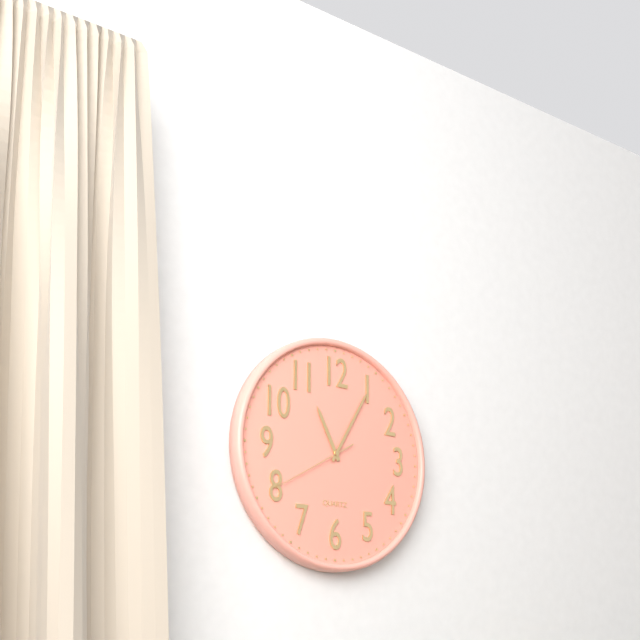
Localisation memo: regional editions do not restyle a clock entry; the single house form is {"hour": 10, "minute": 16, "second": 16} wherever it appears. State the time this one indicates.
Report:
{"hour": 11, "minute": 5, "second": 40}
